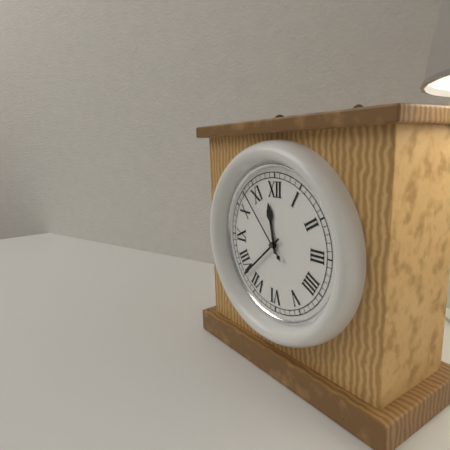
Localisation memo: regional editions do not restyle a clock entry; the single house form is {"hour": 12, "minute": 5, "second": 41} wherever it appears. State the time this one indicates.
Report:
{"hour": 11, "minute": 38, "second": 53}
